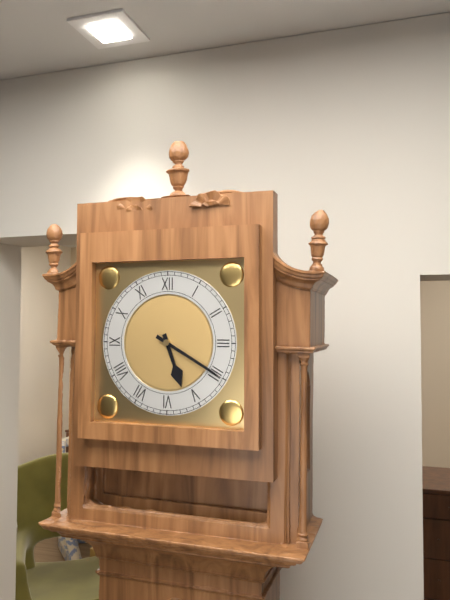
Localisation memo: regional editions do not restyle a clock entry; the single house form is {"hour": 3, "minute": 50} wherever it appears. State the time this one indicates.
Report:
{"hour": 5, "minute": 20}
